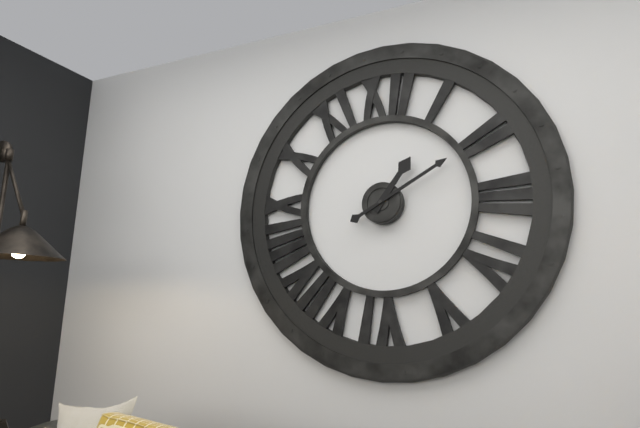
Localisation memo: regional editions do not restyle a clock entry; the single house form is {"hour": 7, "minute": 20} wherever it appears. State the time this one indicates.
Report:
{"hour": 1, "minute": 10}
